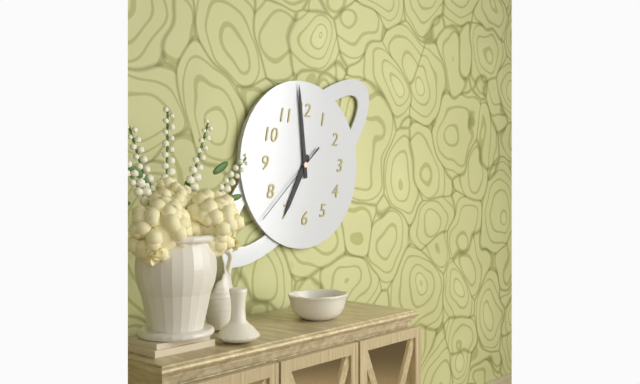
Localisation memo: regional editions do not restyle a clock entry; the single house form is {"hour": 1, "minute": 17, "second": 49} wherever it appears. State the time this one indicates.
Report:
{"hour": 6, "minute": 59, "second": 38}
